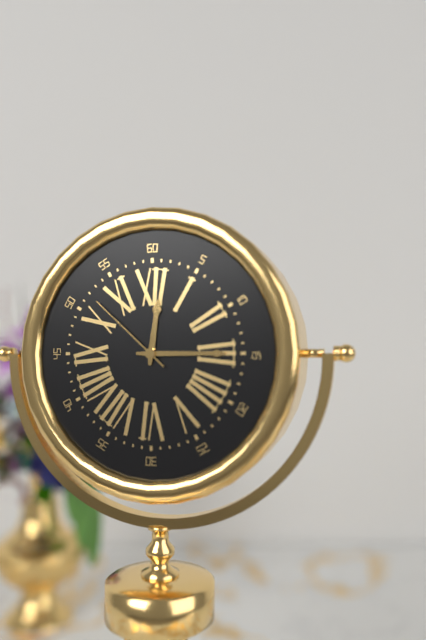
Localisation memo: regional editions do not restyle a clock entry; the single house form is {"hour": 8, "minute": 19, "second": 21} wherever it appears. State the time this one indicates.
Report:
{"hour": 12, "minute": 15, "second": 52}
